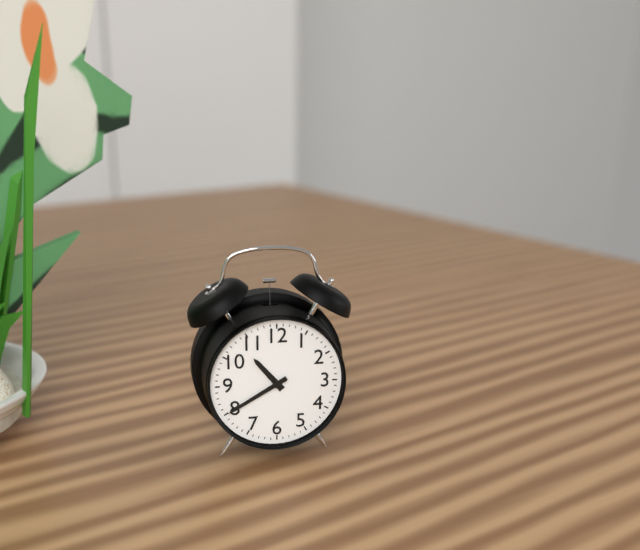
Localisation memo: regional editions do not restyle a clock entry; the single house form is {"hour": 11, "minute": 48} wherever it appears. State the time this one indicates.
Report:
{"hour": 10, "minute": 40}
